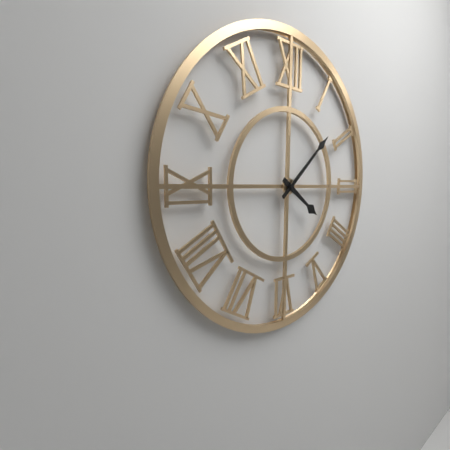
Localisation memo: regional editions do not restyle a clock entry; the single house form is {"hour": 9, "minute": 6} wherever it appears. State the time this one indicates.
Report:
{"hour": 4, "minute": 8}
